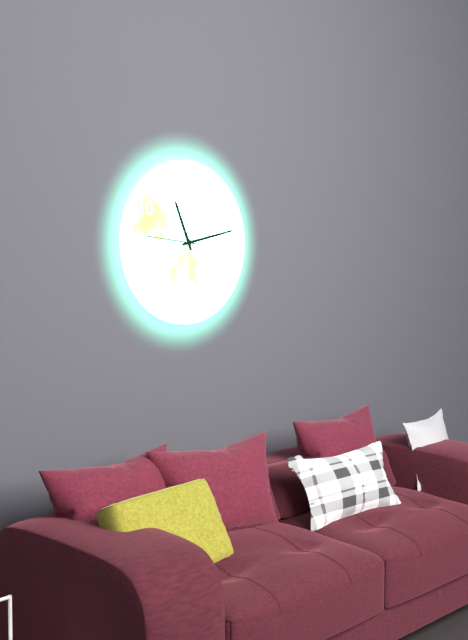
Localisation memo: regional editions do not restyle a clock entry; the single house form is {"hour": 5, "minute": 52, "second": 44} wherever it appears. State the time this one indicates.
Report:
{"hour": 11, "minute": 13, "second": 46}
